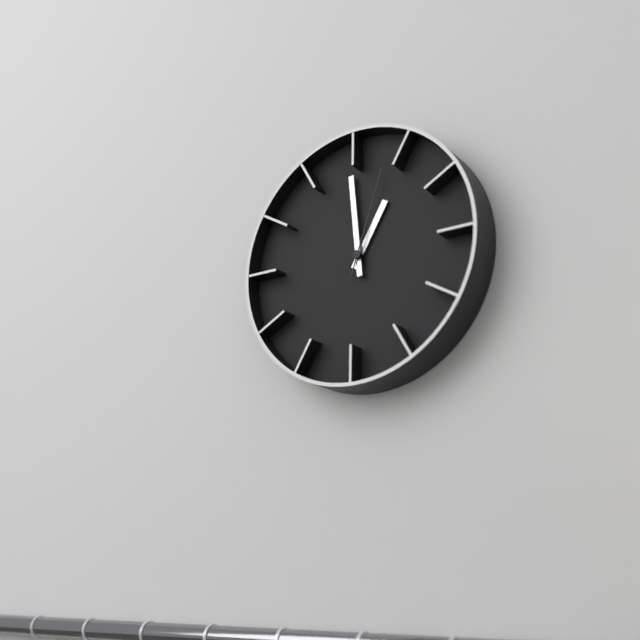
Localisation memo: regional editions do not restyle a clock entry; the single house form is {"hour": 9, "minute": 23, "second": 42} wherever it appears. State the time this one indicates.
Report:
{"hour": 12, "minute": 59, "second": 3}
